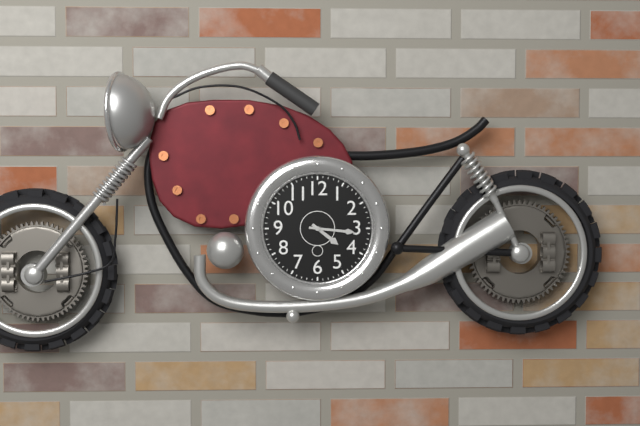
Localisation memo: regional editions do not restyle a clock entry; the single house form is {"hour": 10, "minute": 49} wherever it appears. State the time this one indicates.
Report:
{"hour": 4, "minute": 16}
